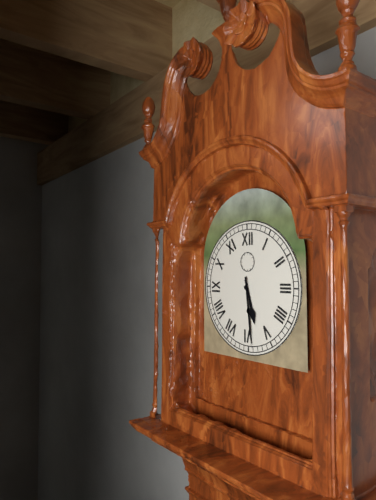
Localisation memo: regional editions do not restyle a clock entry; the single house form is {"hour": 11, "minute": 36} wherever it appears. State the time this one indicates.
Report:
{"hour": 5, "minute": 29}
